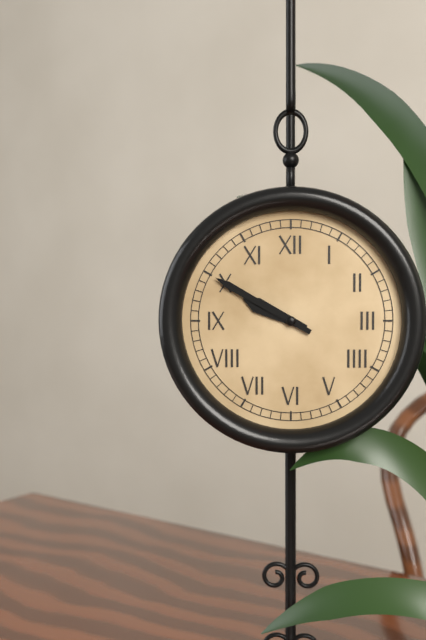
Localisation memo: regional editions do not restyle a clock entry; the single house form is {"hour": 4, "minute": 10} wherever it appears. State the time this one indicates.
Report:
{"hour": 9, "minute": 50}
